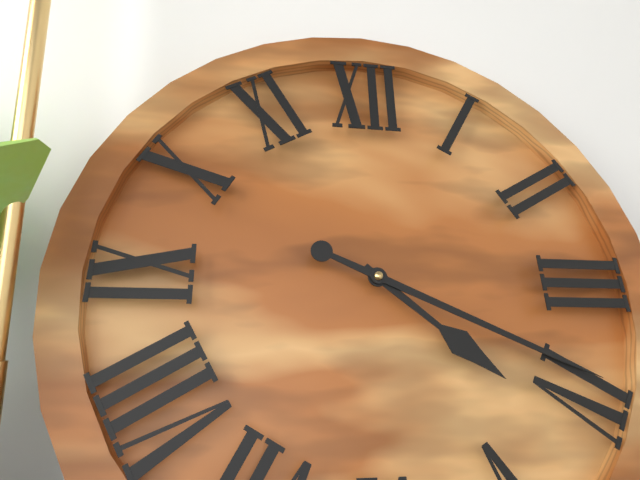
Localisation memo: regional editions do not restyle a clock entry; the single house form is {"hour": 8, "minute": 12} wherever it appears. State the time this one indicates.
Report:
{"hour": 4, "minute": 19}
